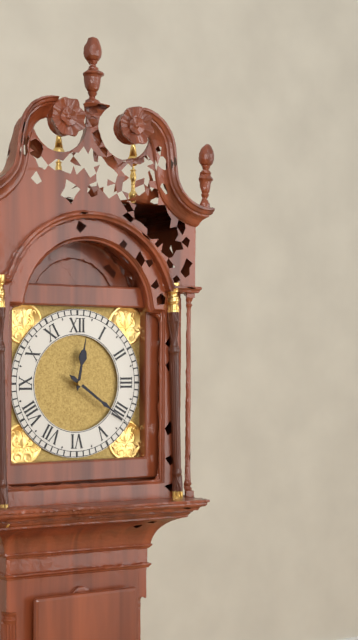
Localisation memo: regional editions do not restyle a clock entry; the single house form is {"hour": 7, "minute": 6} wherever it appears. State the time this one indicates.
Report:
{"hour": 12, "minute": 21}
